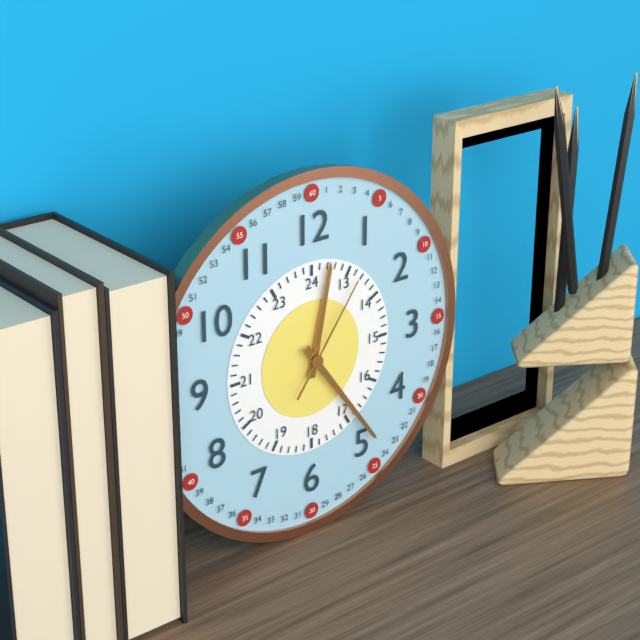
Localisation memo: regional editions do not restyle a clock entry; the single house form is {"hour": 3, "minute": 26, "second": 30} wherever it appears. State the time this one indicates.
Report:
{"hour": 12, "minute": 24, "second": 6}
